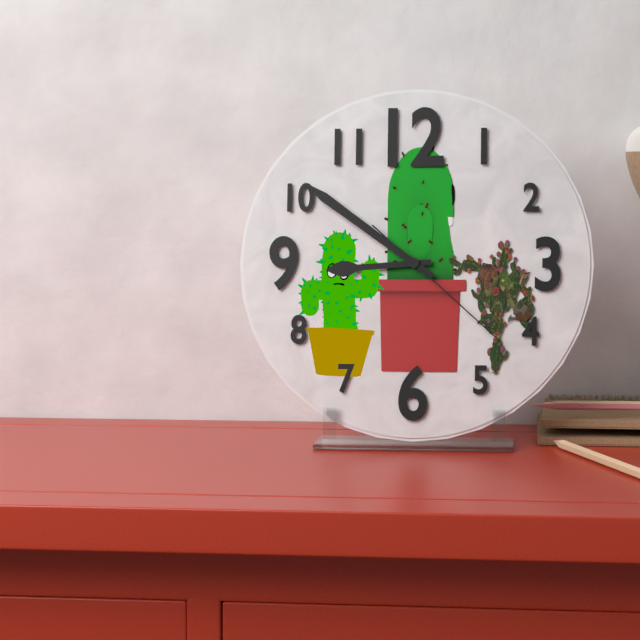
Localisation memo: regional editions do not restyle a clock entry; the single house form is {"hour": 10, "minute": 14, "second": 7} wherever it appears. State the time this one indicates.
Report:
{"hour": 8, "minute": 51, "second": 22}
